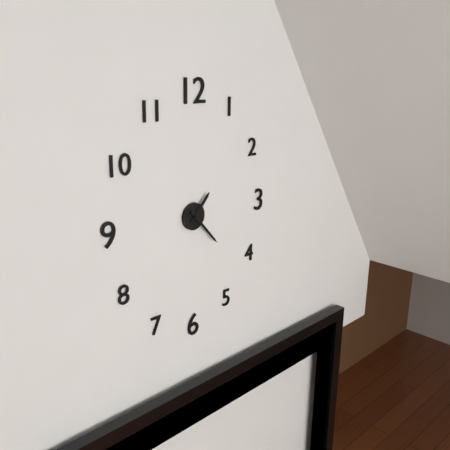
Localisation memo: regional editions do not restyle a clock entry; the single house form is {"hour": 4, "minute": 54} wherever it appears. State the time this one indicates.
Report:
{"hour": 1, "minute": 23}
